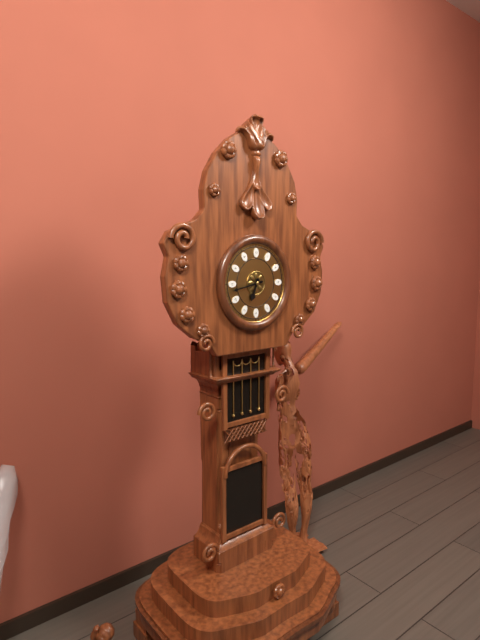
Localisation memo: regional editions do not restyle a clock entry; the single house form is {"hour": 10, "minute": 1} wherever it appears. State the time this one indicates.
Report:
{"hour": 6, "minute": 43}
